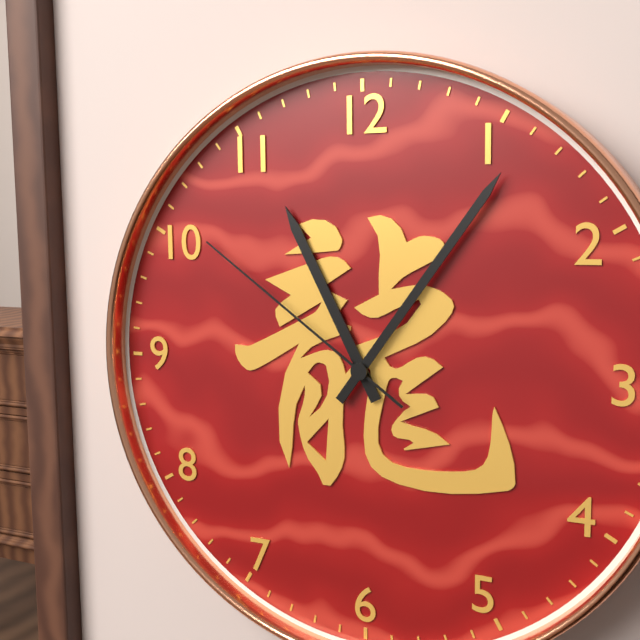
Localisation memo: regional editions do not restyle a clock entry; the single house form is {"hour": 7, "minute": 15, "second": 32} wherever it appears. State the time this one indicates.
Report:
{"hour": 11, "minute": 6, "second": 51}
